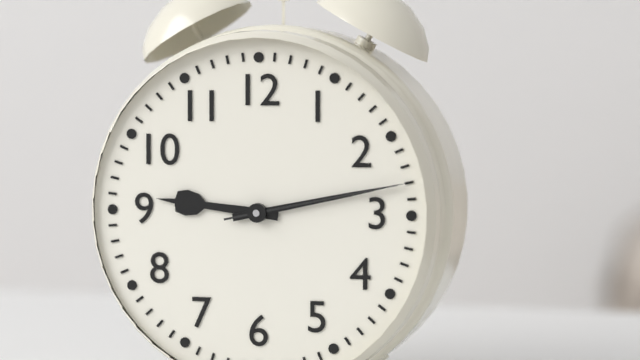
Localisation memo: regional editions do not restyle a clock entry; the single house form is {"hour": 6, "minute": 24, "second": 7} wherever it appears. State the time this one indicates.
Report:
{"hour": 9, "minute": 13, "second": 13}
